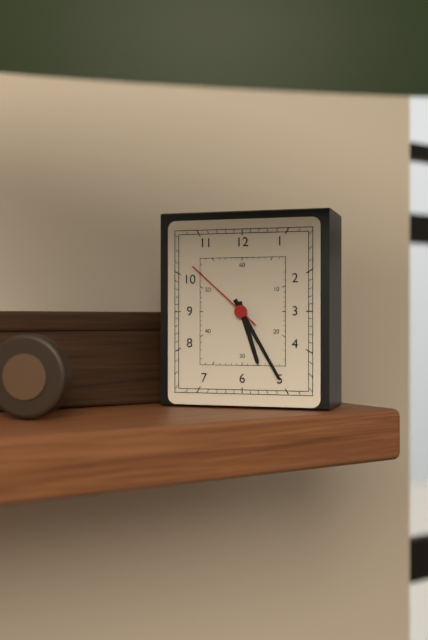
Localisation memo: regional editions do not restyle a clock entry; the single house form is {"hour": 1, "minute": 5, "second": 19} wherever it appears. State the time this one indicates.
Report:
{"hour": 5, "minute": 25, "second": 52}
